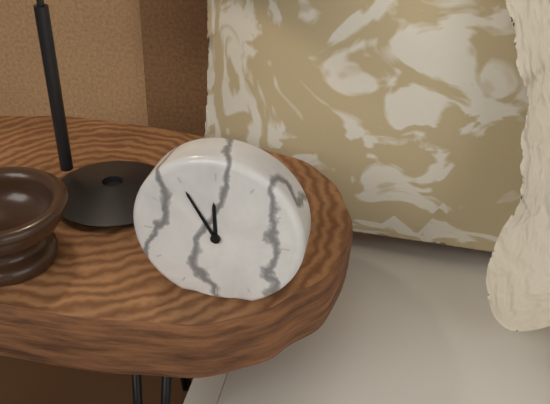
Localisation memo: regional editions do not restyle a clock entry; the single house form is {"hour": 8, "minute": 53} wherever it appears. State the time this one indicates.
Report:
{"hour": 11, "minute": 55}
